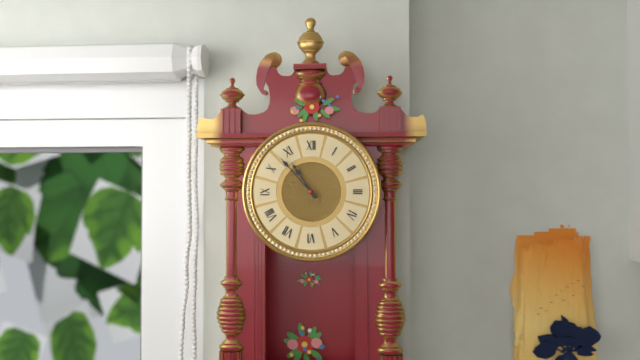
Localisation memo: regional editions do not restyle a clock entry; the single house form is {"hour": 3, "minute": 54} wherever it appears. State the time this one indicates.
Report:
{"hour": 10, "minute": 53}
